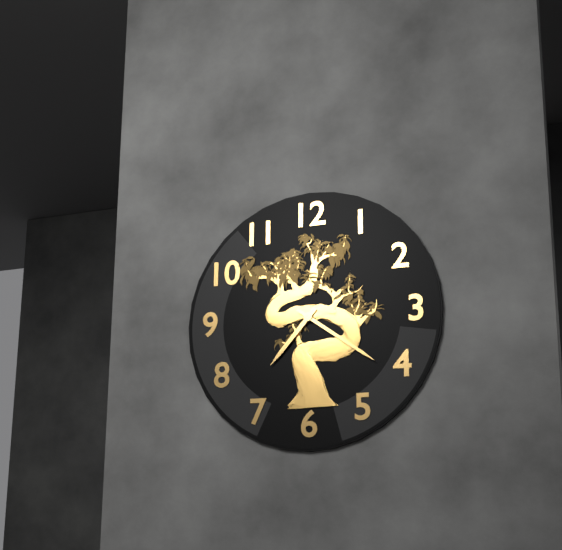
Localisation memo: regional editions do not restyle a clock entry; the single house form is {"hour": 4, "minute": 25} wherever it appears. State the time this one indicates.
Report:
{"hour": 7, "minute": 21}
